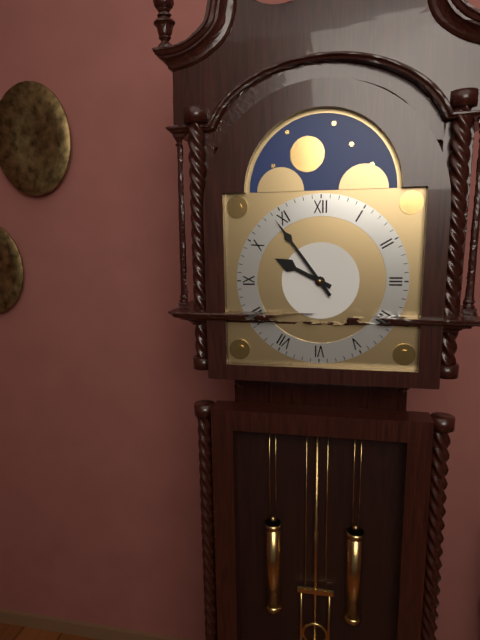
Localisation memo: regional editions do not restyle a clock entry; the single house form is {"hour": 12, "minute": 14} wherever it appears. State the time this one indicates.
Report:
{"hour": 9, "minute": 54}
